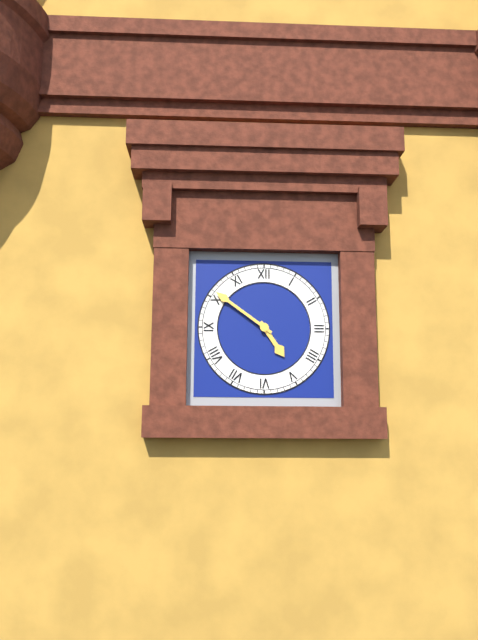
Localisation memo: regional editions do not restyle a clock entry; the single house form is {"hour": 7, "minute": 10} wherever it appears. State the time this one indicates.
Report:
{"hour": 4, "minute": 51}
